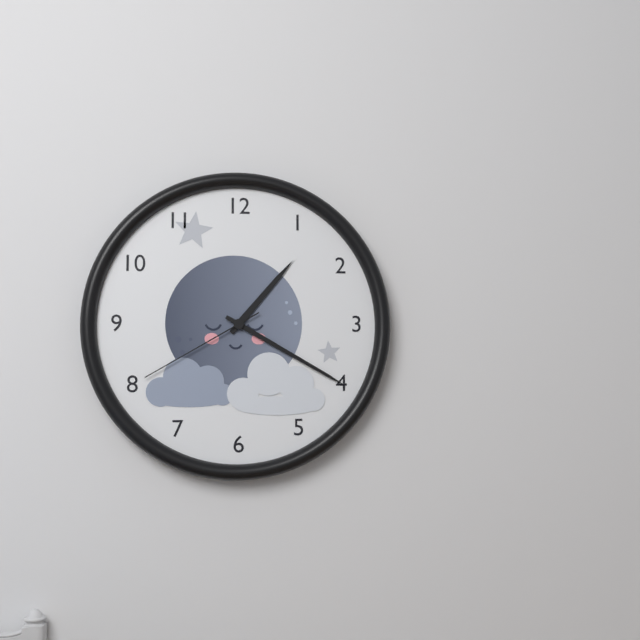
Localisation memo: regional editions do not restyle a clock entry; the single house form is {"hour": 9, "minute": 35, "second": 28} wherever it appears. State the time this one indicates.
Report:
{"hour": 1, "minute": 20, "second": 40}
